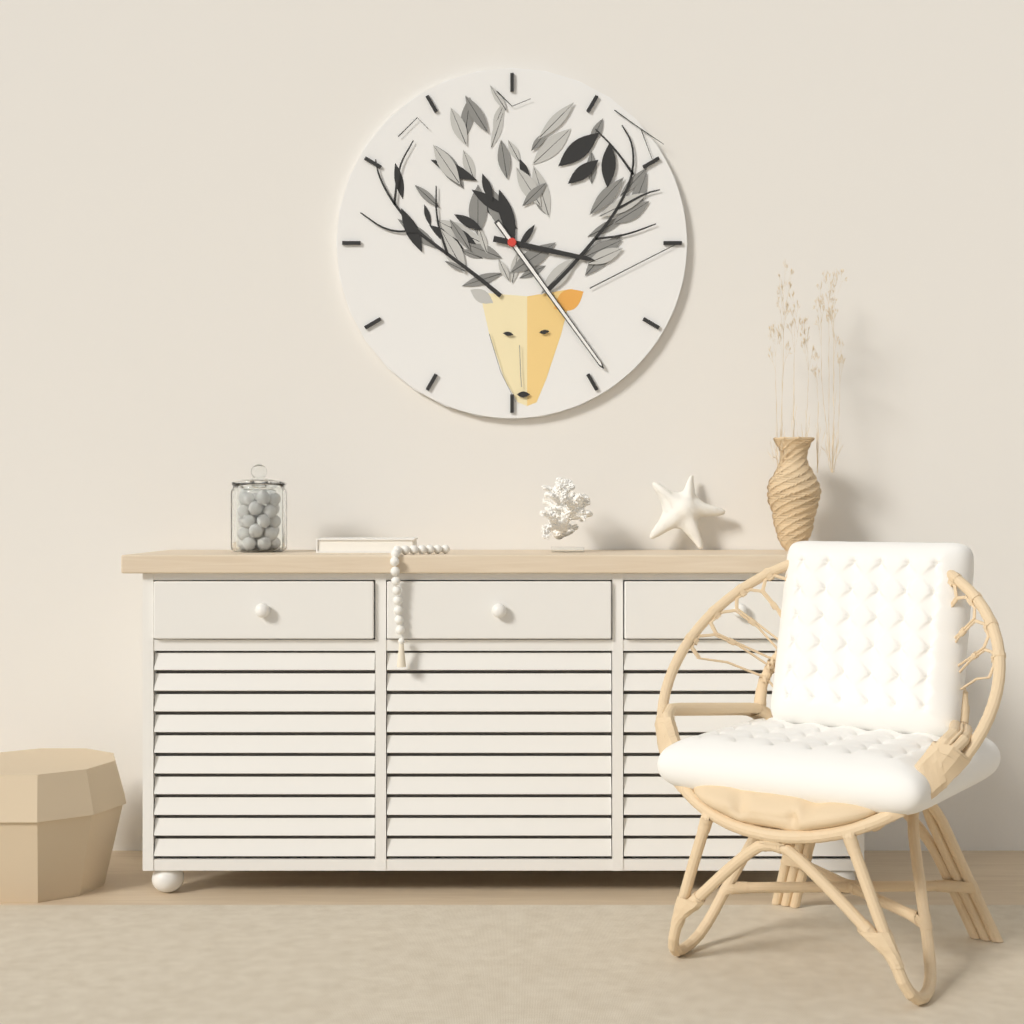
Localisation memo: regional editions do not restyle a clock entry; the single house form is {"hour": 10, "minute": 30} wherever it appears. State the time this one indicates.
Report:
{"hour": 3, "minute": 24}
